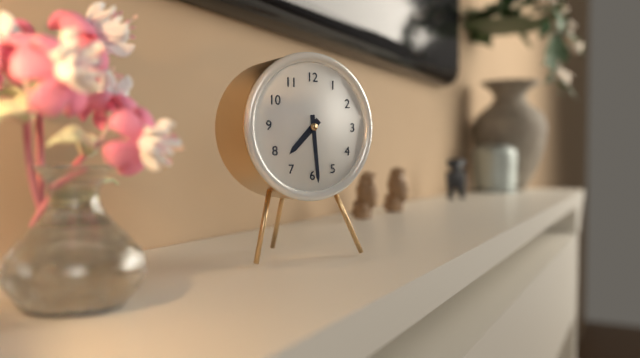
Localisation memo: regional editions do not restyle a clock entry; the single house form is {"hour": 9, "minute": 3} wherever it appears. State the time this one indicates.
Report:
{"hour": 7, "minute": 29}
